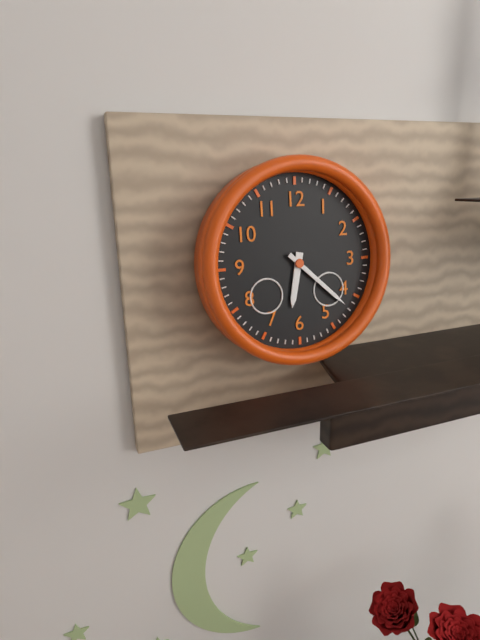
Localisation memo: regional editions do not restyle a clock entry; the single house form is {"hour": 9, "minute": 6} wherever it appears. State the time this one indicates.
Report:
{"hour": 6, "minute": 22}
